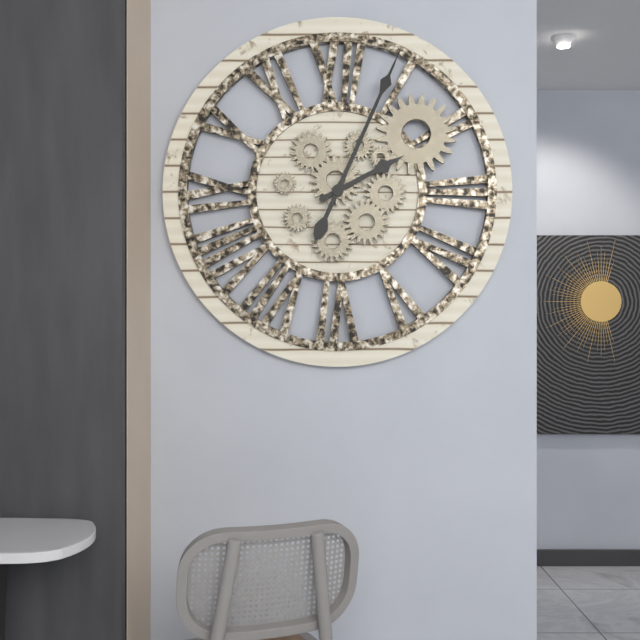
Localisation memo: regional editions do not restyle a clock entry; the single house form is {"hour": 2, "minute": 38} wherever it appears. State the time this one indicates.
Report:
{"hour": 2, "minute": 4}
